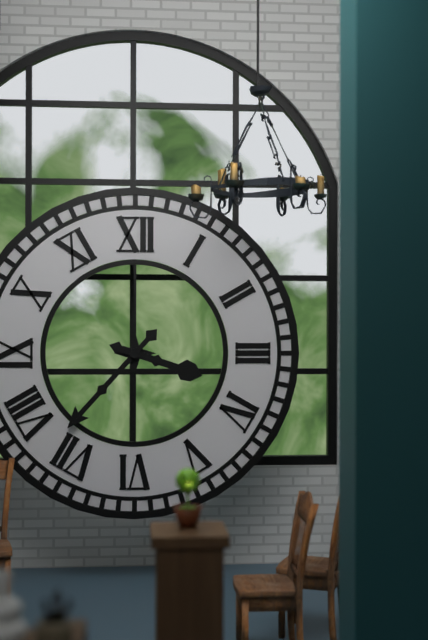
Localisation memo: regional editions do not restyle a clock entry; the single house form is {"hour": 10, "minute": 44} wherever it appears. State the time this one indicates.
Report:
{"hour": 3, "minute": 37}
